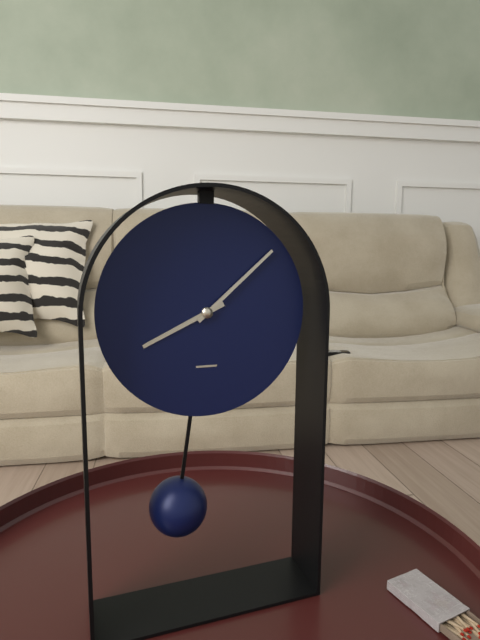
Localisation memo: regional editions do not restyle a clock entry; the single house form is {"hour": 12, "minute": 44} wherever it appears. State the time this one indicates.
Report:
{"hour": 8, "minute": 8}
